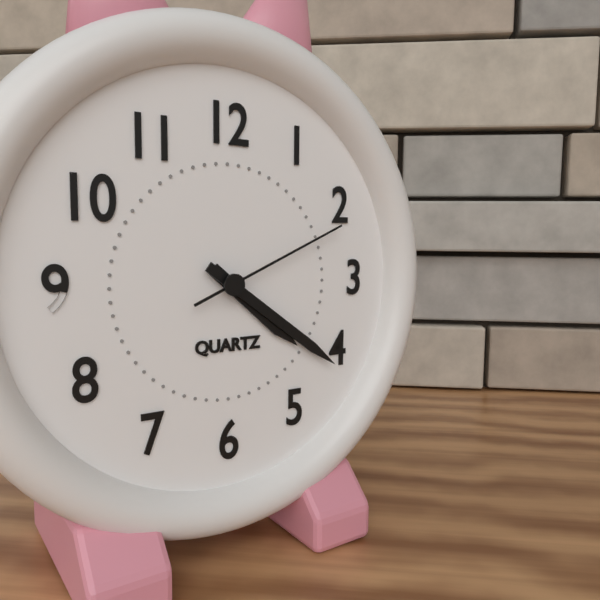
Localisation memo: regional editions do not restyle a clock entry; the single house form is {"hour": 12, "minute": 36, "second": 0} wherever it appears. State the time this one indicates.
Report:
{"hour": 4, "minute": 21, "second": 11}
